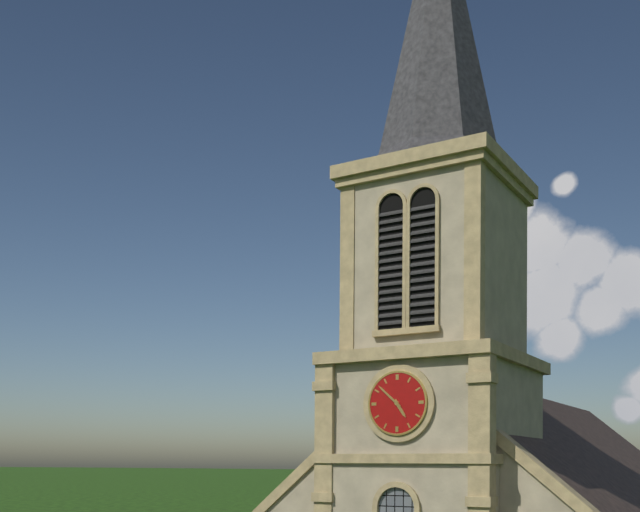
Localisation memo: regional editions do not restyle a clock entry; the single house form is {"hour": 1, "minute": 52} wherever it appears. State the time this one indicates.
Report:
{"hour": 4, "minute": 52}
